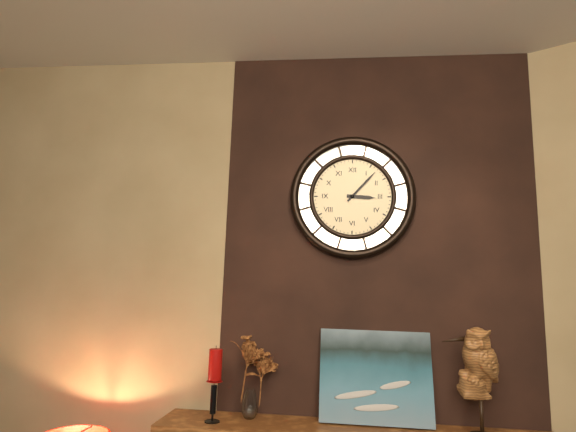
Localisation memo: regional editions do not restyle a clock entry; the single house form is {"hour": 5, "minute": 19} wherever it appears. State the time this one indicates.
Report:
{"hour": 3, "minute": 7}
